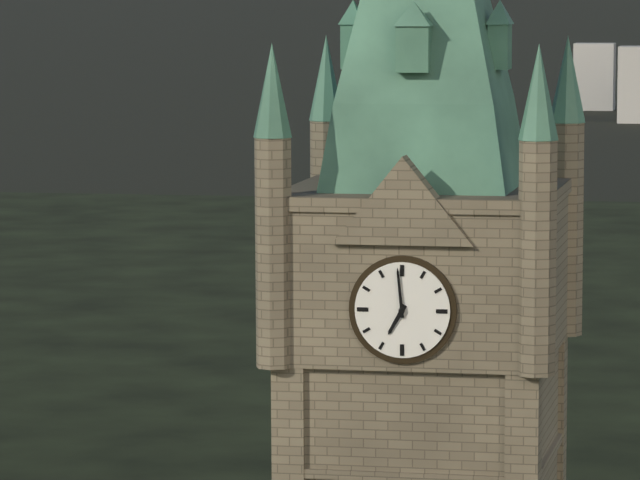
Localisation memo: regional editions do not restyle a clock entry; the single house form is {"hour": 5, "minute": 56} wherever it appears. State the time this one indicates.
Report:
{"hour": 6, "minute": 59}
